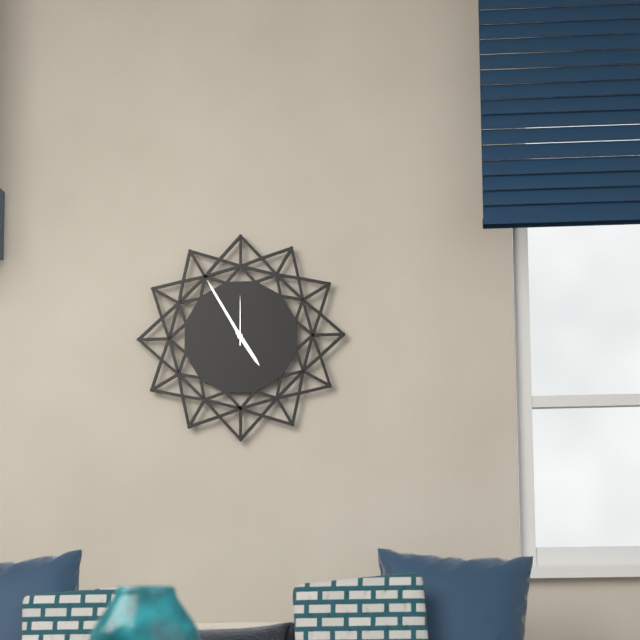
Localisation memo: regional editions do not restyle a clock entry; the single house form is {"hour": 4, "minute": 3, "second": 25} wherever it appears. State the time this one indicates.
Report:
{"hour": 4, "minute": 55, "second": 0}
